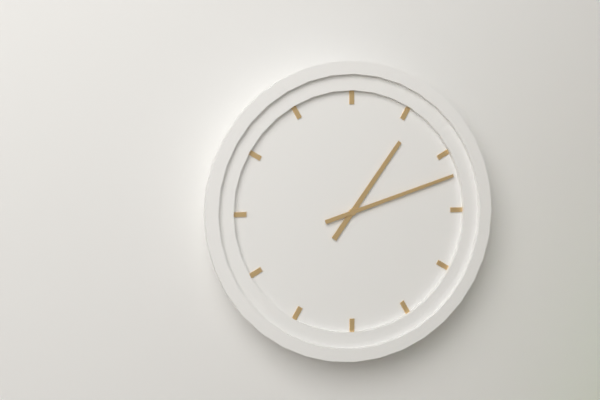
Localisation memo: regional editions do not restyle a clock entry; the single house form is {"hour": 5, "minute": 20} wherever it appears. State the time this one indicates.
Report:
{"hour": 1, "minute": 12}
